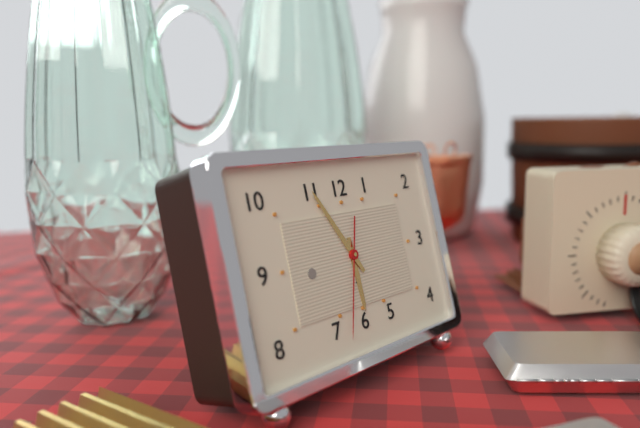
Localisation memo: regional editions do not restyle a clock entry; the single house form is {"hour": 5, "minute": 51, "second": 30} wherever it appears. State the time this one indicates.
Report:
{"hour": 5, "minute": 55, "second": 33}
